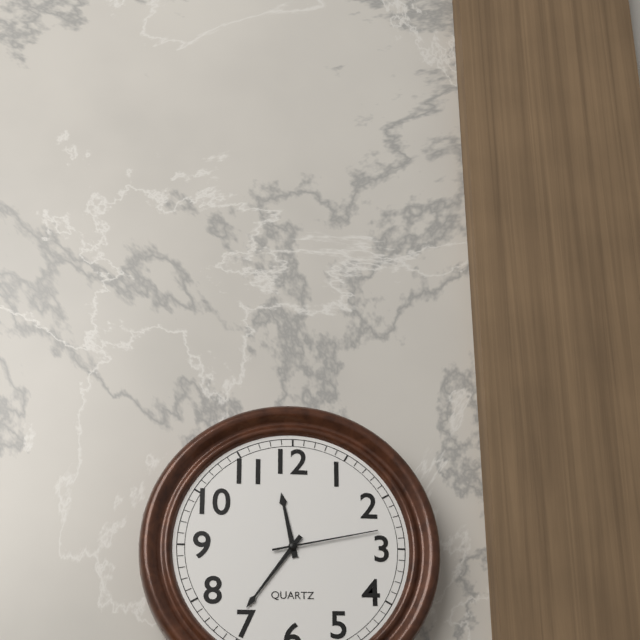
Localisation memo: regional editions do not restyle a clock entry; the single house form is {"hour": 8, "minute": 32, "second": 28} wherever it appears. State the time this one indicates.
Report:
{"hour": 11, "minute": 36, "second": 13}
